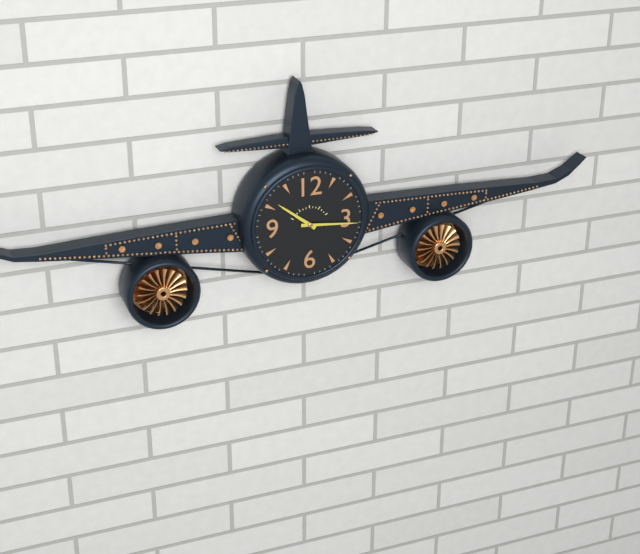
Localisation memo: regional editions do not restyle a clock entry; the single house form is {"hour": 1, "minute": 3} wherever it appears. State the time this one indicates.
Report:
{"hour": 10, "minute": 16}
